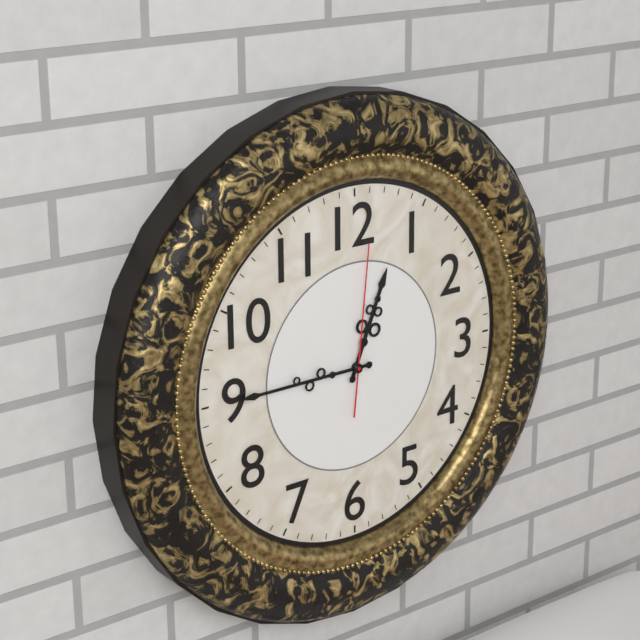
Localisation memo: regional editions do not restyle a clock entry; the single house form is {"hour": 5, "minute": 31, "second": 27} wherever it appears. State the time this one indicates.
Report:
{"hour": 12, "minute": 45, "second": 1}
